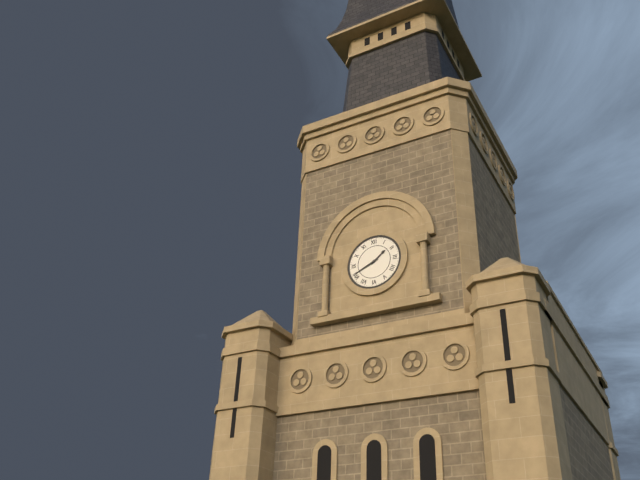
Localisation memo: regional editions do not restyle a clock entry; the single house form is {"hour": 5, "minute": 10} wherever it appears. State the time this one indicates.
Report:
{"hour": 1, "minute": 41}
